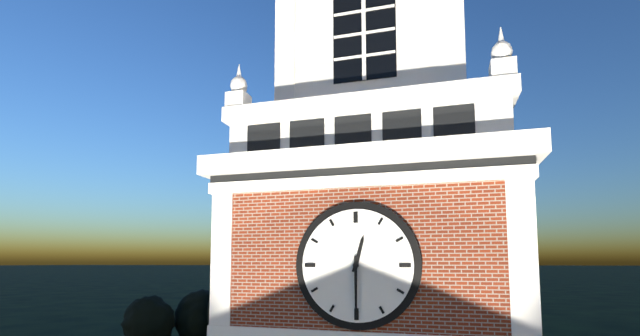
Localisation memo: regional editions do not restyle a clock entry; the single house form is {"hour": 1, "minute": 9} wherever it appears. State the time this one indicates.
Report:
{"hour": 12, "minute": 30}
